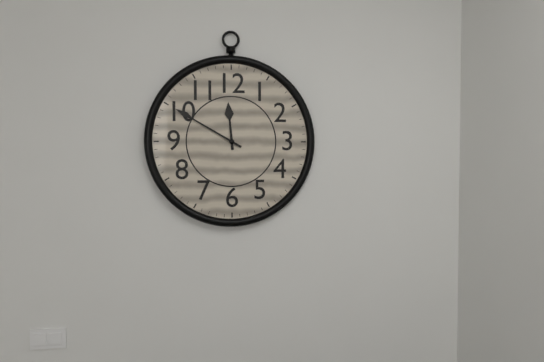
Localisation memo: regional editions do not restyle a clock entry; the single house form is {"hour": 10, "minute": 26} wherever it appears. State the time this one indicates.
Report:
{"hour": 11, "minute": 50}
